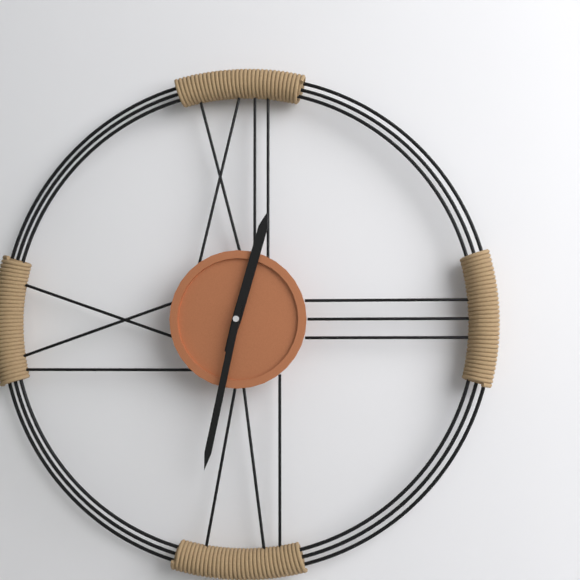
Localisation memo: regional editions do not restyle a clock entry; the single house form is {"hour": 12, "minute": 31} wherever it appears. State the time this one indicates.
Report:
{"hour": 12, "minute": 32}
